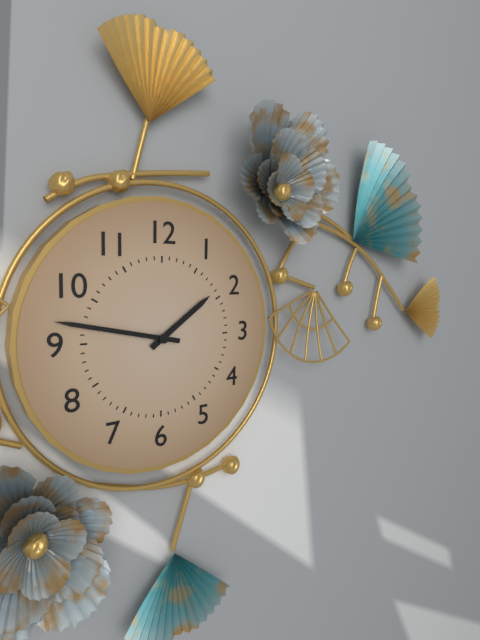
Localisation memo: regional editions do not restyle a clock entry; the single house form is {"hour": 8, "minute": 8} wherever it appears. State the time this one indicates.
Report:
{"hour": 1, "minute": 47}
